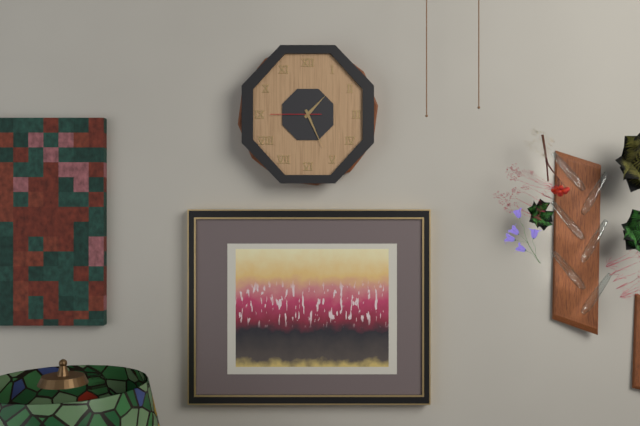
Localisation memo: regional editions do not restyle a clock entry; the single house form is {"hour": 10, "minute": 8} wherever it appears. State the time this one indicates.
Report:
{"hour": 1, "minute": 26}
